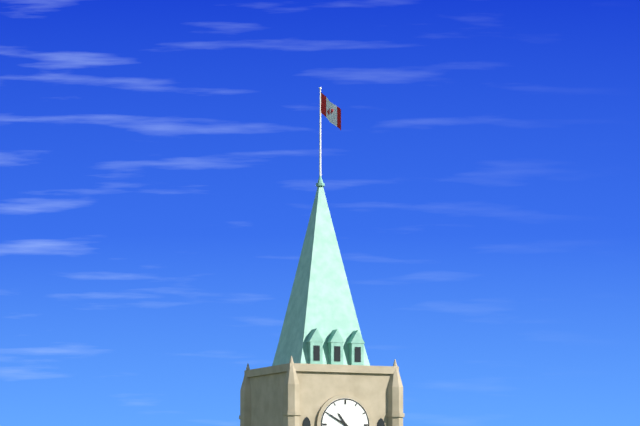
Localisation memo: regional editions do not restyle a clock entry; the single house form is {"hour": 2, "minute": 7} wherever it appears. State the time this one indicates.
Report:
{"hour": 10, "minute": 50}
